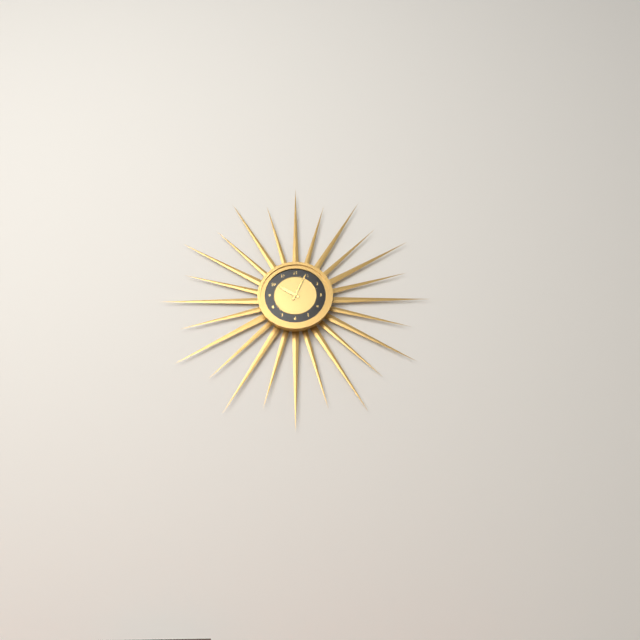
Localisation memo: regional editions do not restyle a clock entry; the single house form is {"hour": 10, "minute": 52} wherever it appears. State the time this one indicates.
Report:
{"hour": 10, "minute": 4}
